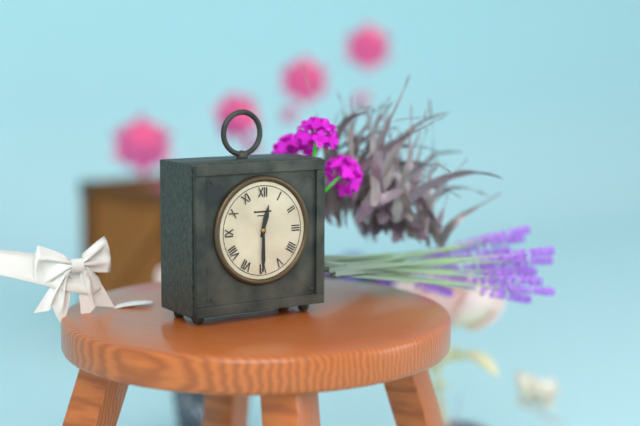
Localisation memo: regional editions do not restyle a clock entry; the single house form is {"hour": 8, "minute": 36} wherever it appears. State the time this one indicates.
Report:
{"hour": 12, "minute": 30}
